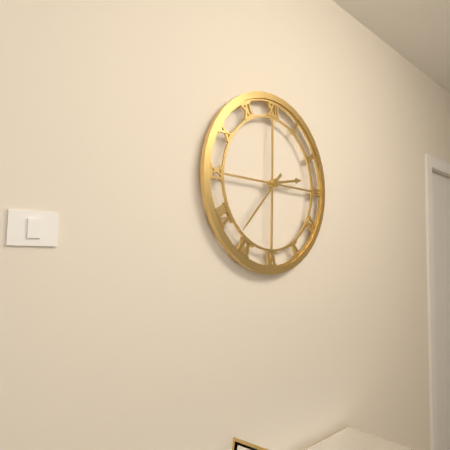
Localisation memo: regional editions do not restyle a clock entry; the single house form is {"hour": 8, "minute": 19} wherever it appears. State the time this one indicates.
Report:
{"hour": 2, "minute": 37}
